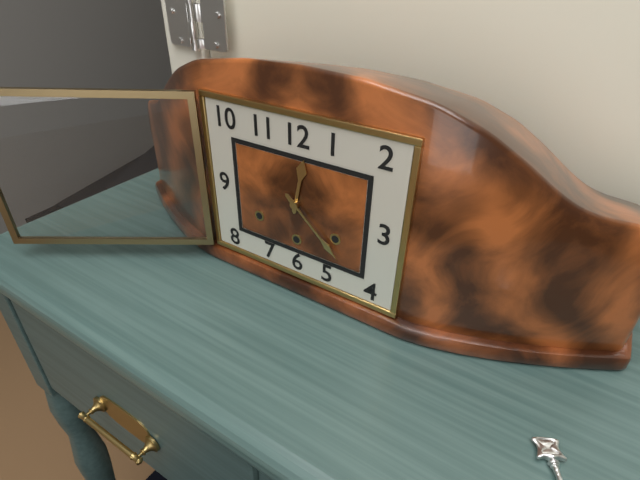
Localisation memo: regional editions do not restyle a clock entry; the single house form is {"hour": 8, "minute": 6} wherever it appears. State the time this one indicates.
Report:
{"hour": 12, "minute": 22}
